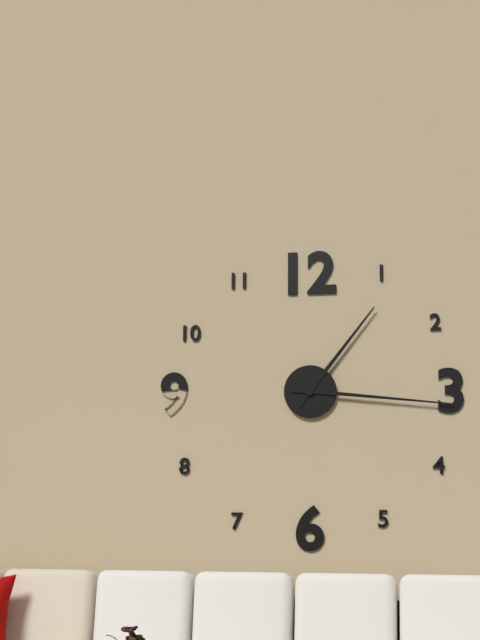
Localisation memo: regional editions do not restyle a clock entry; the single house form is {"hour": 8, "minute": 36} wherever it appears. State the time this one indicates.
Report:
{"hour": 1, "minute": 16}
